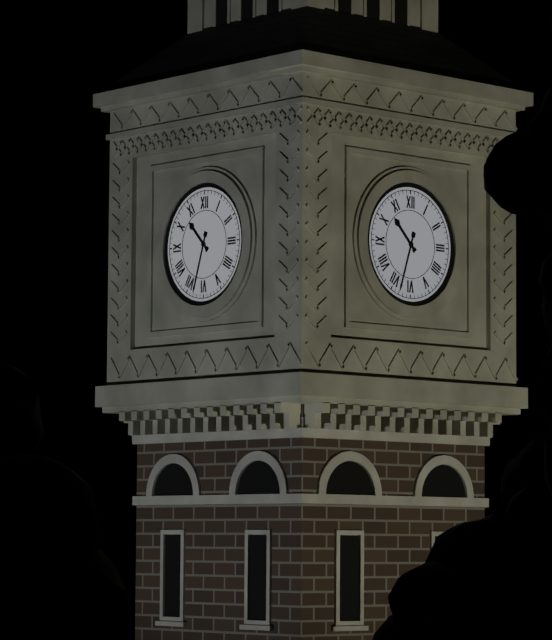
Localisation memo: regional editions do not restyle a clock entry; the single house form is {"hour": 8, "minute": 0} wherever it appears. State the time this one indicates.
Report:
{"hour": 10, "minute": 33}
